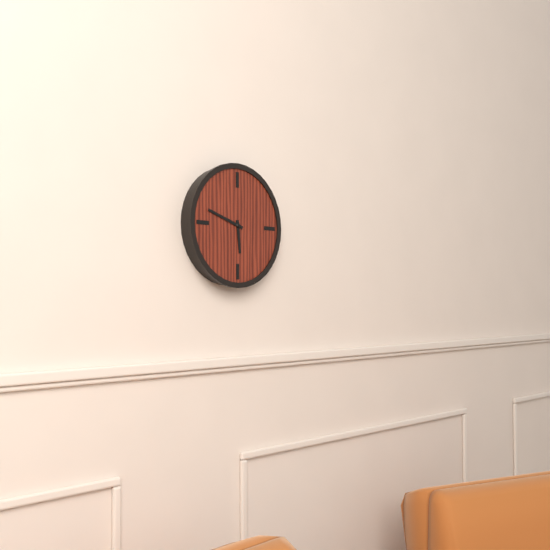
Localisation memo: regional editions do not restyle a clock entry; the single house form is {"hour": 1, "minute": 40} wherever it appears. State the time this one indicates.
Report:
{"hour": 5, "minute": 48}
